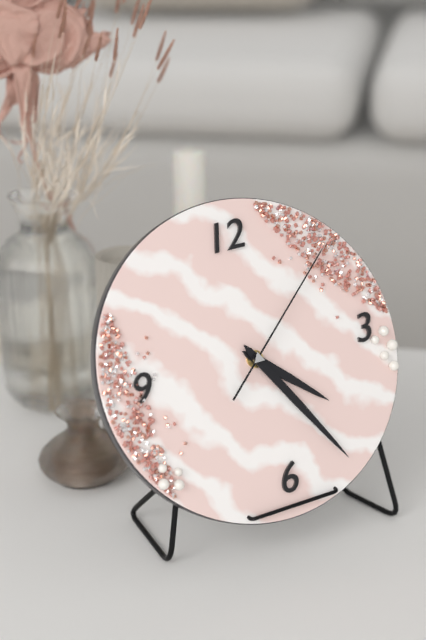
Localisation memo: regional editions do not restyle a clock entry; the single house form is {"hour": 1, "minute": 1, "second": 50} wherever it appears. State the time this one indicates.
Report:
{"hour": 4, "minute": 25, "second": 8}
